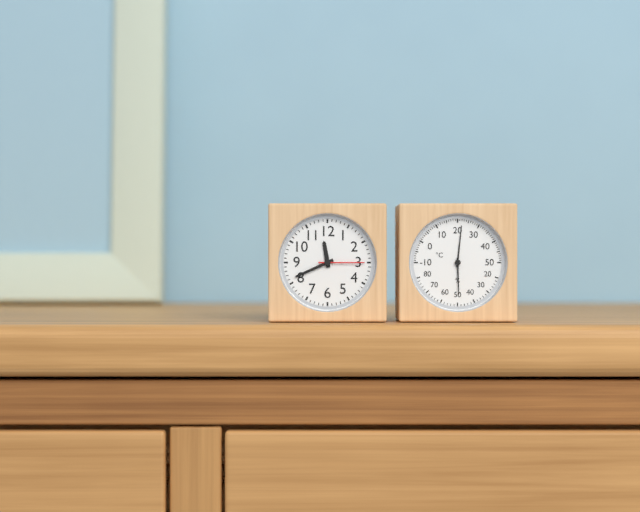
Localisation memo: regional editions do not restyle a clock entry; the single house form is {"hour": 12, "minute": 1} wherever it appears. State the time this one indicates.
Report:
{"hour": 11, "minute": 41}
